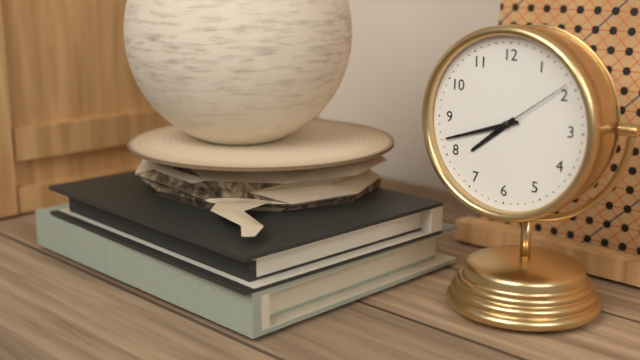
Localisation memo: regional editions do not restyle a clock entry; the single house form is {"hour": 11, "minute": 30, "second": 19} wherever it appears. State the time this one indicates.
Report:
{"hour": 7, "minute": 42, "second": 9}
